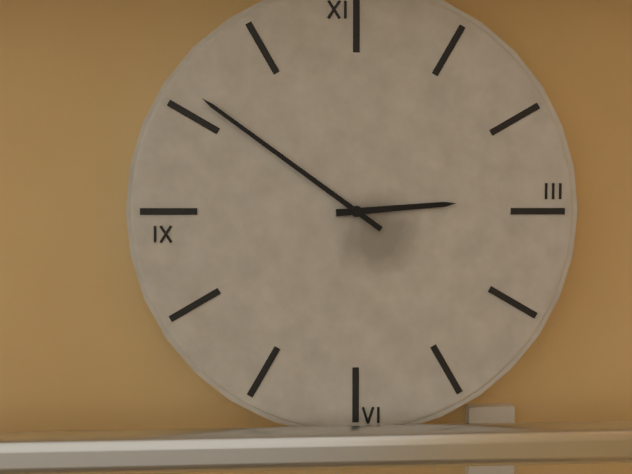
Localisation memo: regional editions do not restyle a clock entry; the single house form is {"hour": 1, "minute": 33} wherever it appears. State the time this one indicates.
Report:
{"hour": 2, "minute": 51}
